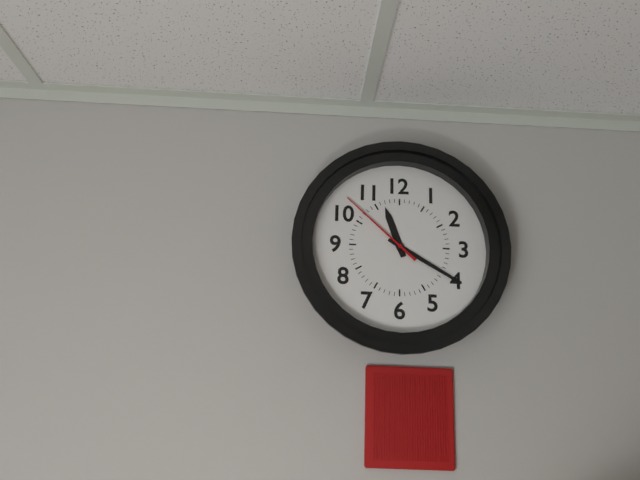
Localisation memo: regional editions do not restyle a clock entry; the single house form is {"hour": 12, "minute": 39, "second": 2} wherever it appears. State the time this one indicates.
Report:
{"hour": 11, "minute": 20, "second": 52}
